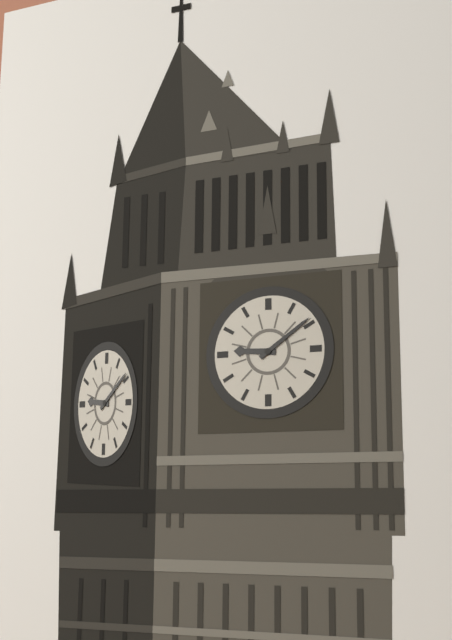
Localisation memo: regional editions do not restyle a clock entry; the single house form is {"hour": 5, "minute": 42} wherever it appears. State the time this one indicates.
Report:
{"hour": 9, "minute": 9}
